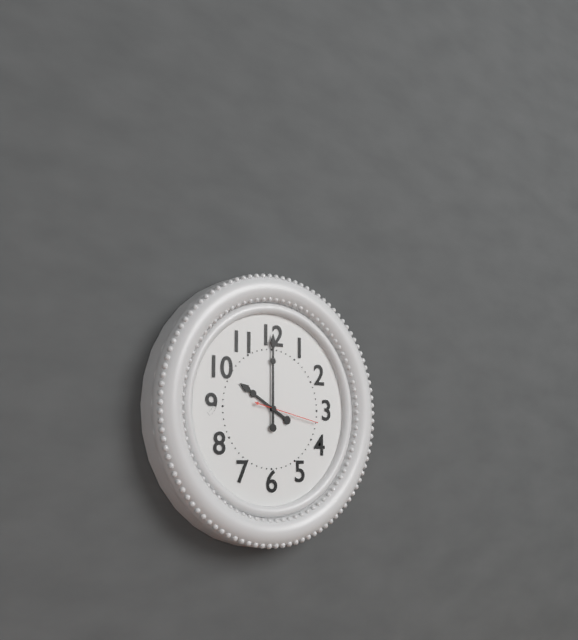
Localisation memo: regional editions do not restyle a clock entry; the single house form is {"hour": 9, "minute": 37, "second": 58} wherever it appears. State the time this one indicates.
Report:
{"hour": 10, "minute": 0, "second": 17}
